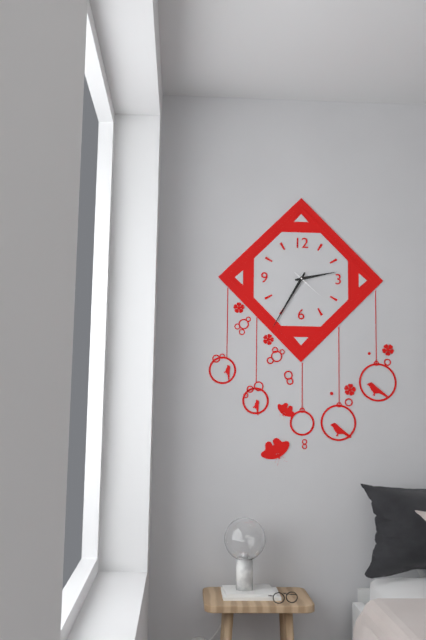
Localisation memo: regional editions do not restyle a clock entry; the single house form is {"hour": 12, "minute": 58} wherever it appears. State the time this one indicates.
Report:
{"hour": 2, "minute": 35}
